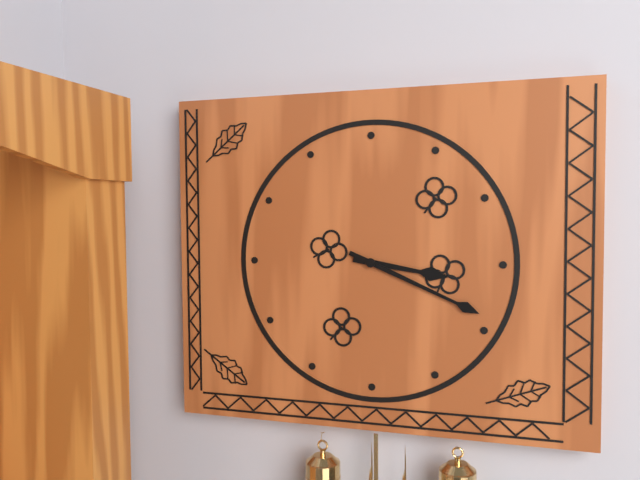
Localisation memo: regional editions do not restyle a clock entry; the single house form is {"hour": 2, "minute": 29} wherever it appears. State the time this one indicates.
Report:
{"hour": 3, "minute": 19}
